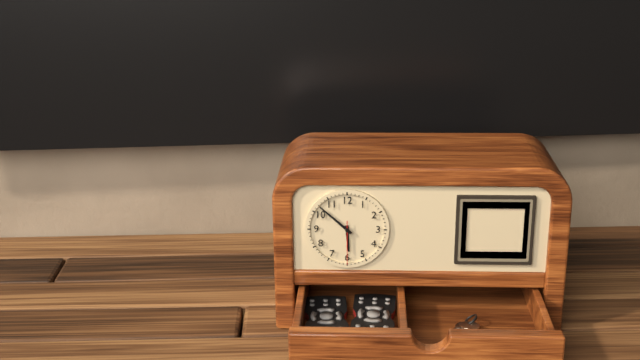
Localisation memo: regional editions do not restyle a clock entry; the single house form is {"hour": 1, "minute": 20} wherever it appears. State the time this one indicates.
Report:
{"hour": 5, "minute": 52}
